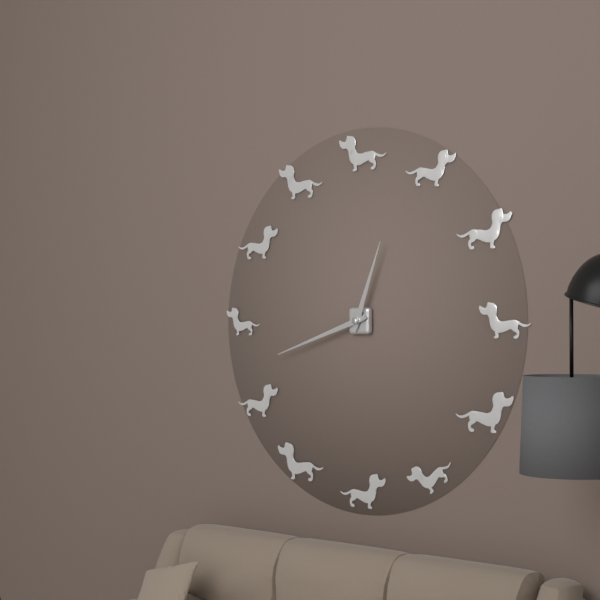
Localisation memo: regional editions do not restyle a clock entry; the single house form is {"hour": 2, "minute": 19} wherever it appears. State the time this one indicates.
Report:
{"hour": 12, "minute": 42}
